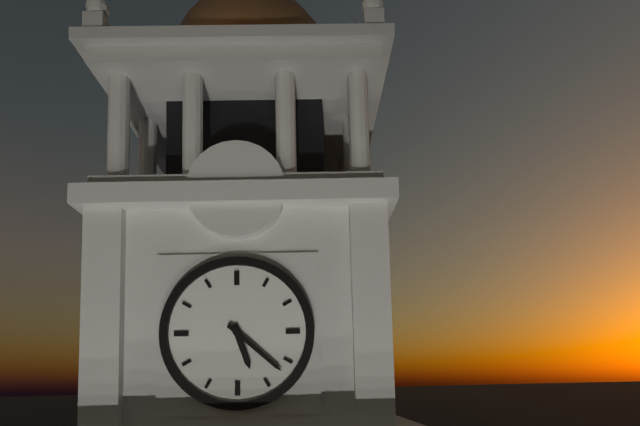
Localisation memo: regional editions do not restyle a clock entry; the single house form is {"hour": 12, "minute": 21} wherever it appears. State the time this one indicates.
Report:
{"hour": 5, "minute": 22}
